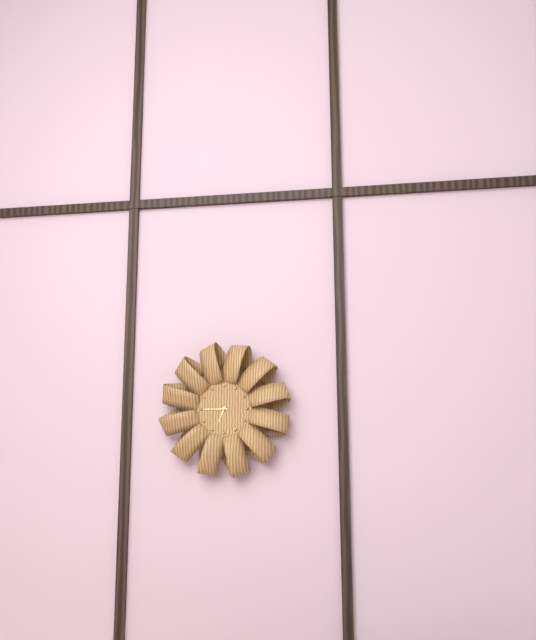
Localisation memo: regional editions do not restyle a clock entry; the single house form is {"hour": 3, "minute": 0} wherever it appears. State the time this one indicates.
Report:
{"hour": 6, "minute": 45}
